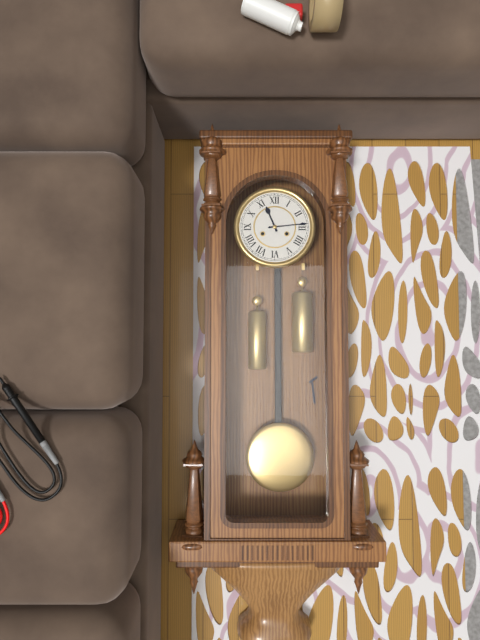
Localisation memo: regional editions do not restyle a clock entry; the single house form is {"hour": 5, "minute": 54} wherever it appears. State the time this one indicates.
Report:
{"hour": 11, "minute": 14}
